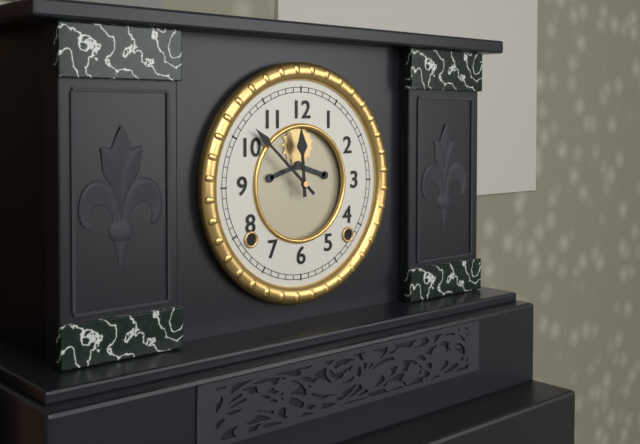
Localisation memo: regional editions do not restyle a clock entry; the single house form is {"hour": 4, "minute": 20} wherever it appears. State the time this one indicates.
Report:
{"hour": 11, "minute": 52}
